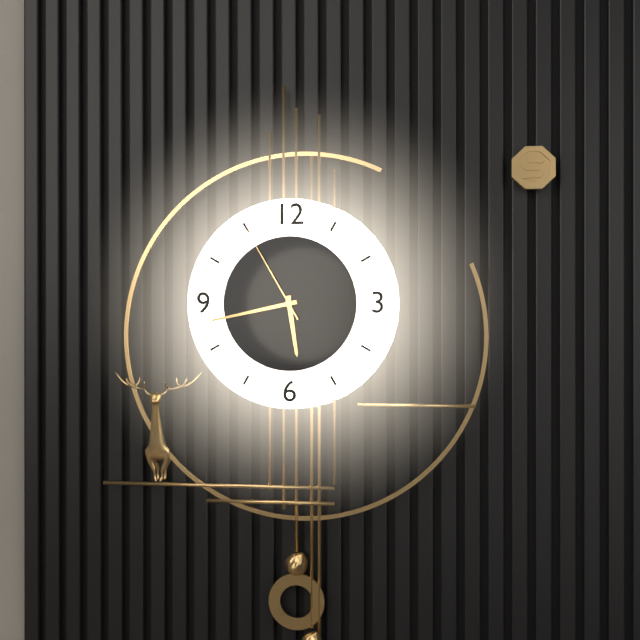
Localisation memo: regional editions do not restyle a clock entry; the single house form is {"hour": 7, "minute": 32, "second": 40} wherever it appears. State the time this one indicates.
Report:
{"hour": 5, "minute": 43, "second": 55}
